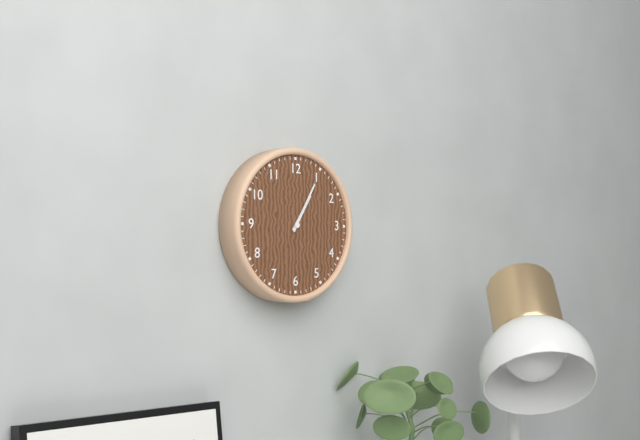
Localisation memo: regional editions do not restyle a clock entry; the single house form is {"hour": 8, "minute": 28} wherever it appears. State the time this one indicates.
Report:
{"hour": 1, "minute": 5}
